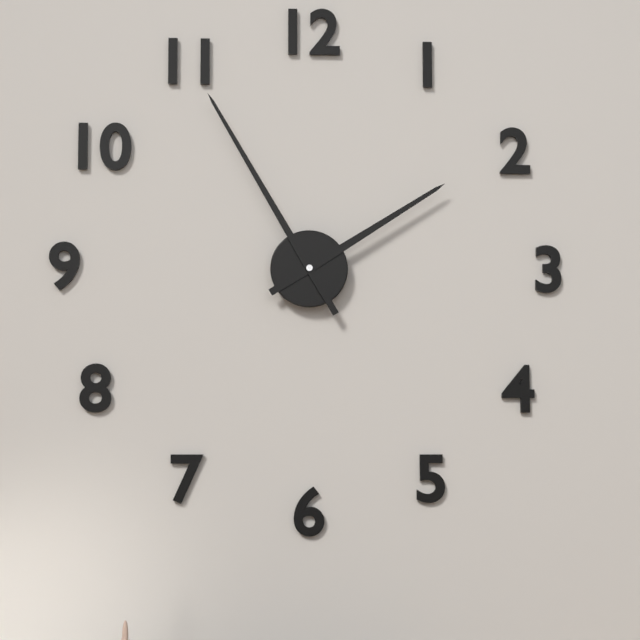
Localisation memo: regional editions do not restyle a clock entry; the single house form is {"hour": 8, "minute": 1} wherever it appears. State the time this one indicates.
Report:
{"hour": 1, "minute": 55}
